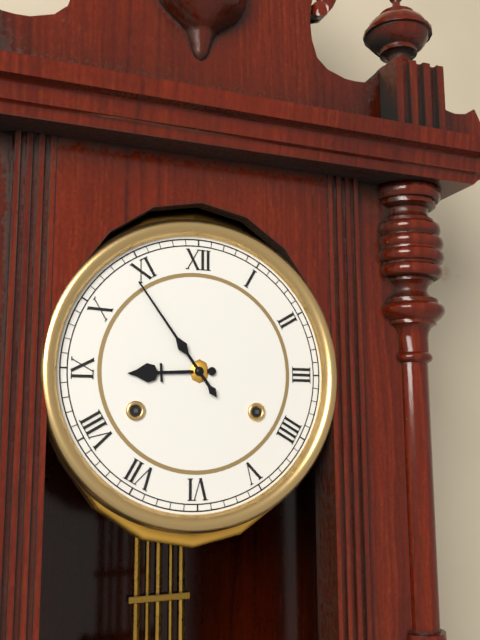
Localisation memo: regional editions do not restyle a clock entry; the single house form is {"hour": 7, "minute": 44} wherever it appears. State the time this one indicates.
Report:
{"hour": 8, "minute": 54}
